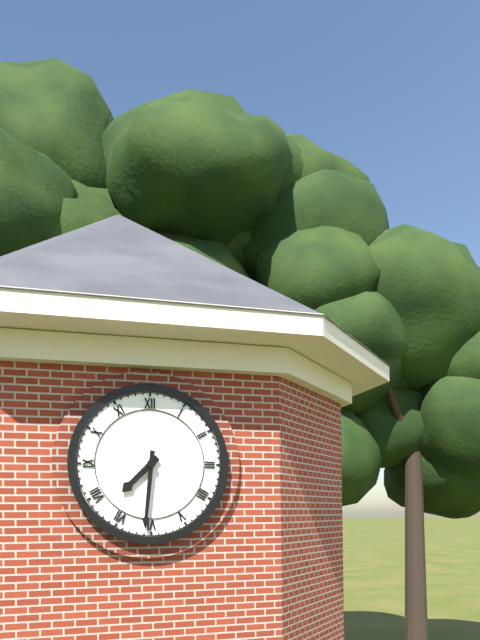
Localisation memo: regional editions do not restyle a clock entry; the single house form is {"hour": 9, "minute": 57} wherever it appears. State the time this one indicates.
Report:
{"hour": 7, "minute": 31}
